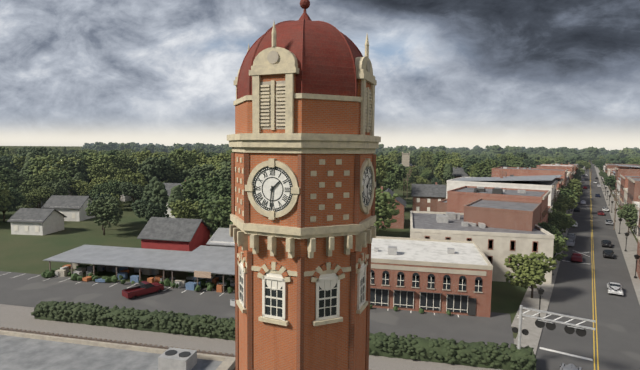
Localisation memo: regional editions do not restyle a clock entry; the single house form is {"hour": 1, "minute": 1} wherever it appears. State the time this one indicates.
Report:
{"hour": 1, "minute": 31}
